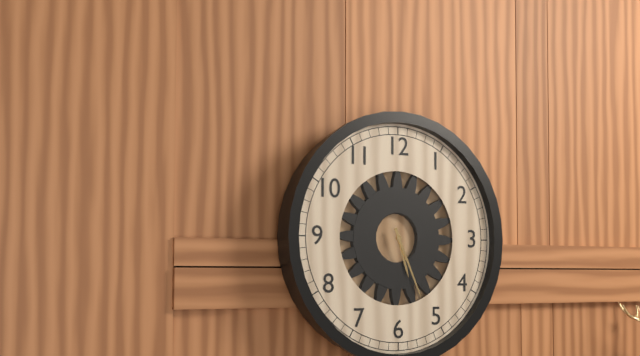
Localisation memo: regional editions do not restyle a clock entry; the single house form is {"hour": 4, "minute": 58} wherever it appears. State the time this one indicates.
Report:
{"hour": 5, "minute": 26}
